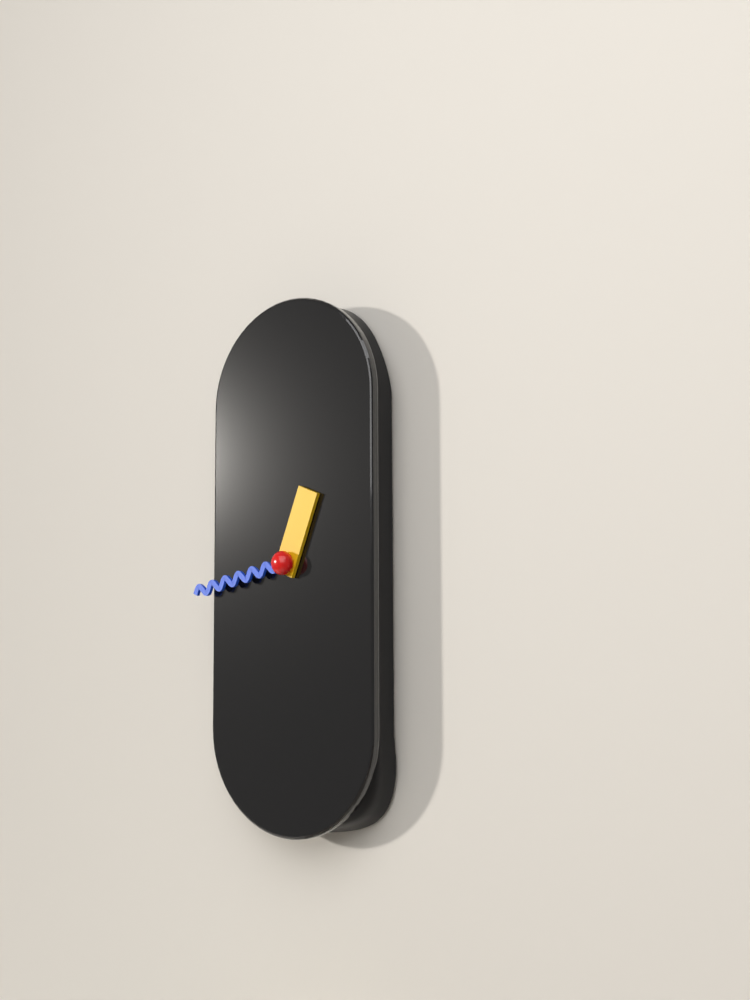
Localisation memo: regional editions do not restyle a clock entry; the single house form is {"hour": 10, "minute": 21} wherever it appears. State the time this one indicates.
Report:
{"hour": 12, "minute": 43}
